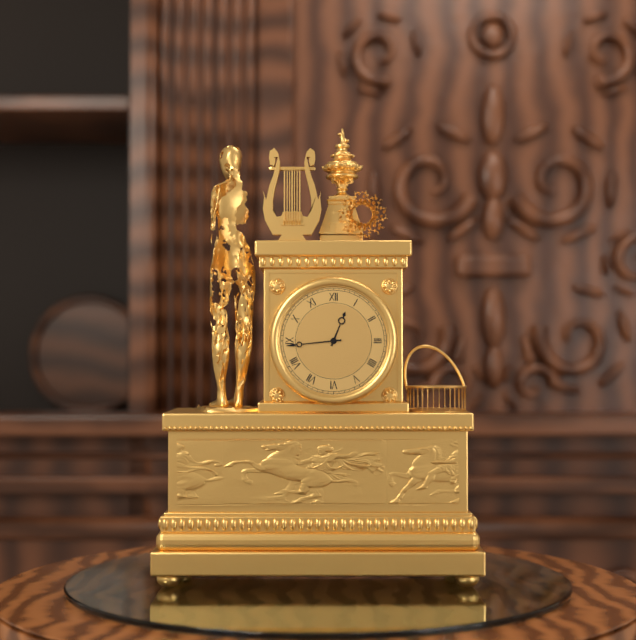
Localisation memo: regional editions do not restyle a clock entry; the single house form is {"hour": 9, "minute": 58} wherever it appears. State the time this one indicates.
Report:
{"hour": 12, "minute": 44}
